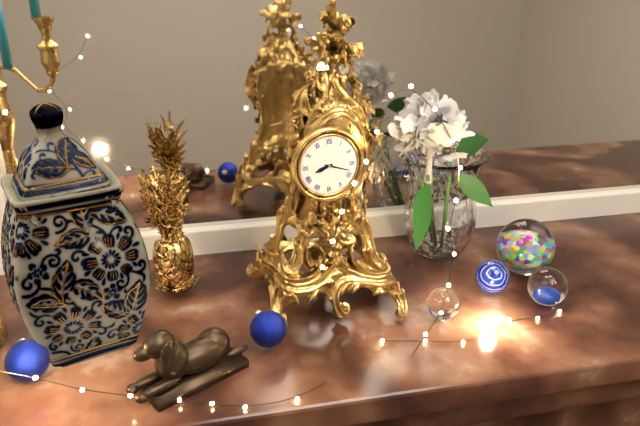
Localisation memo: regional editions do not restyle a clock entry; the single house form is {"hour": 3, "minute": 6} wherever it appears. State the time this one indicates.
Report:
{"hour": 8, "minute": 18}
